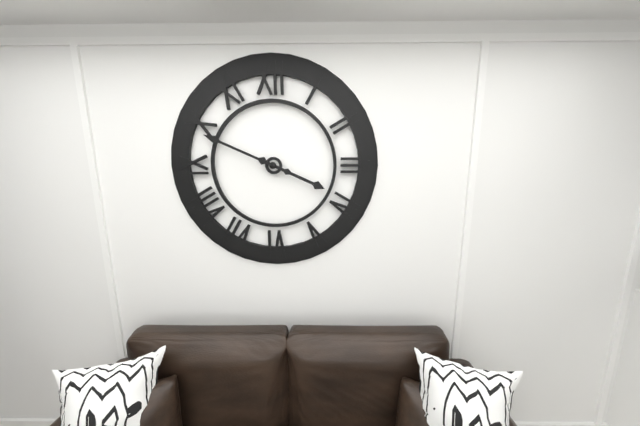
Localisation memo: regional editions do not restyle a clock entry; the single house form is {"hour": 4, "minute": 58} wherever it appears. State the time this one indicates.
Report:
{"hour": 3, "minute": 49}
